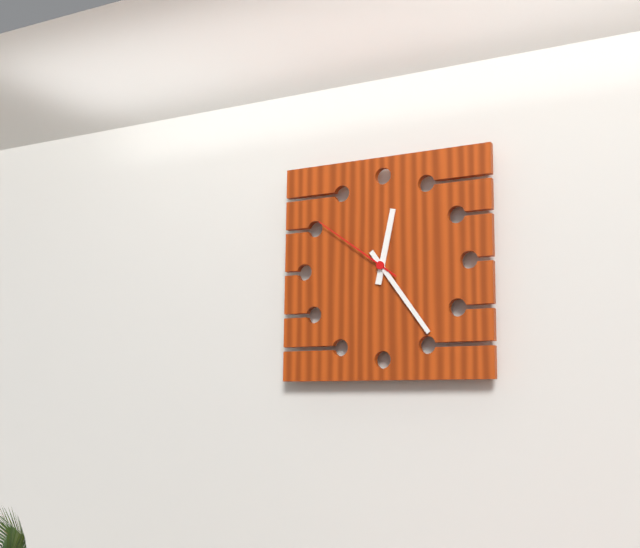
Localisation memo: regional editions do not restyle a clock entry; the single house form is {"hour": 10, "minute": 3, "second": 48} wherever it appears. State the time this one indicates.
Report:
{"hour": 12, "minute": 24, "second": 51}
